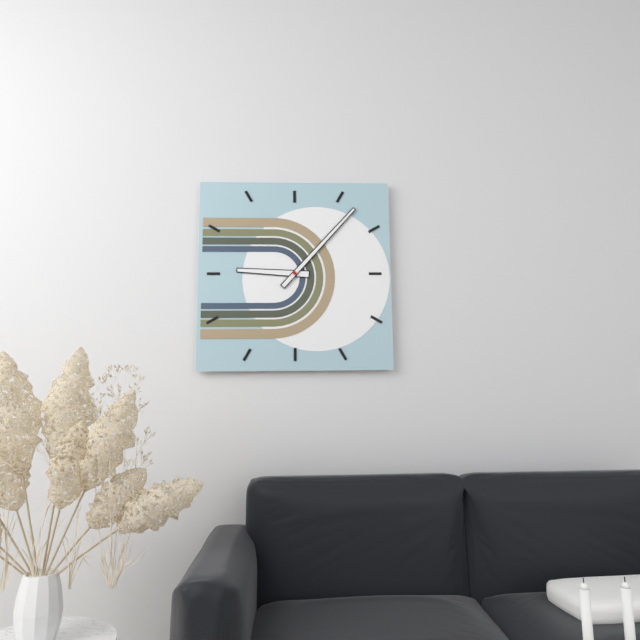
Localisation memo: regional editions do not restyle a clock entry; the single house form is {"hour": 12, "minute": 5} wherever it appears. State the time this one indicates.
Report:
{"hour": 9, "minute": 7}
